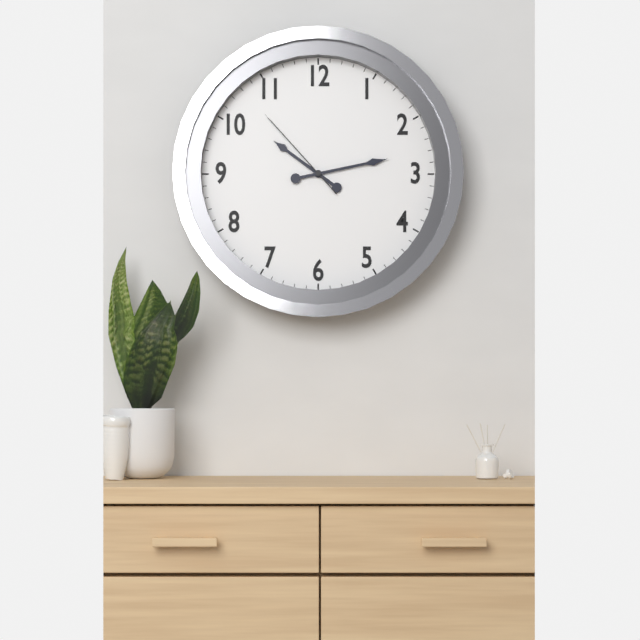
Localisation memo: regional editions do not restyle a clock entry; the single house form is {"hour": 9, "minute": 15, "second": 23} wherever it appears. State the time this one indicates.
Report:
{"hour": 10, "minute": 13, "second": 53}
